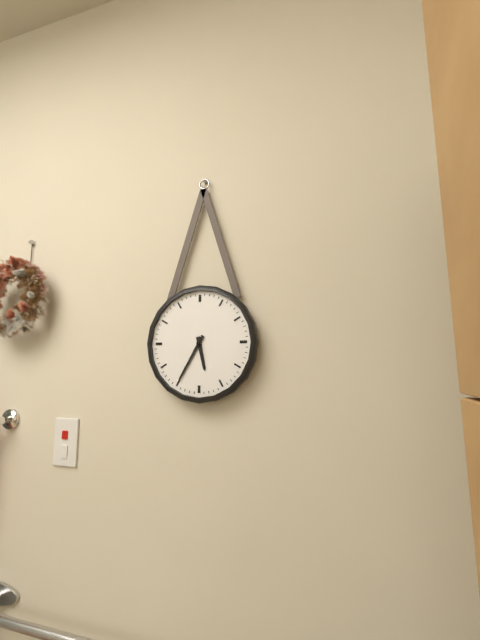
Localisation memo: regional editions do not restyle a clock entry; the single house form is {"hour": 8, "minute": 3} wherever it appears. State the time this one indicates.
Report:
{"hour": 5, "minute": 35}
